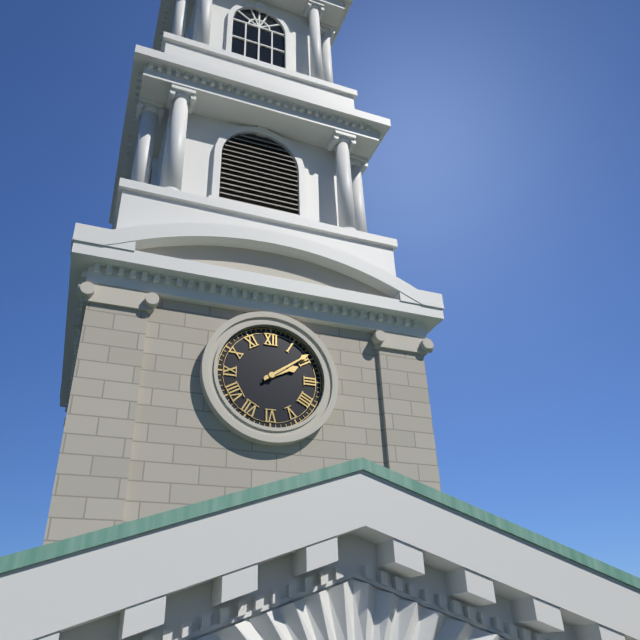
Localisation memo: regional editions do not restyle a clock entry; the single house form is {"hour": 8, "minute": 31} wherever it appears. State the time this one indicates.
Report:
{"hour": 2, "minute": 9}
